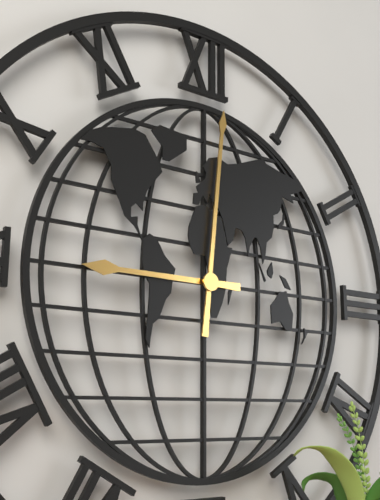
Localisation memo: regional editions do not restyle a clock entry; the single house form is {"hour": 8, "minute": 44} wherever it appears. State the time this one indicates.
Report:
{"hour": 9, "minute": 1}
